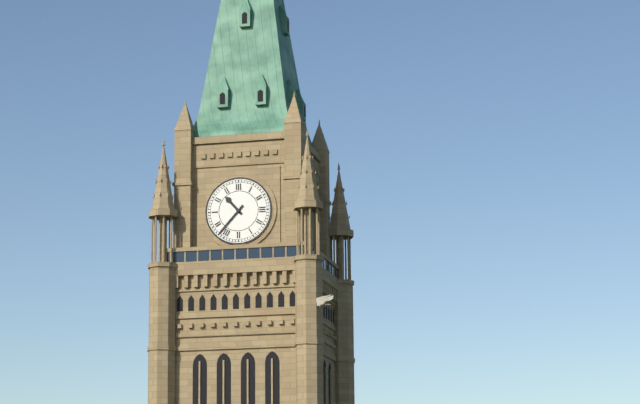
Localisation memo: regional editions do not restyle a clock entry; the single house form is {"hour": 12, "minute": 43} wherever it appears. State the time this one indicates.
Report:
{"hour": 10, "minute": 37}
